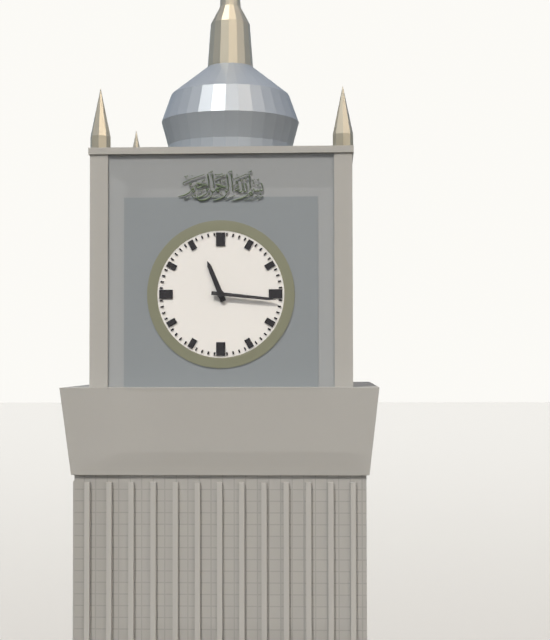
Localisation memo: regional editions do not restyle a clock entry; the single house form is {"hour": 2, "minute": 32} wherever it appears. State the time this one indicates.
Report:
{"hour": 11, "minute": 16}
